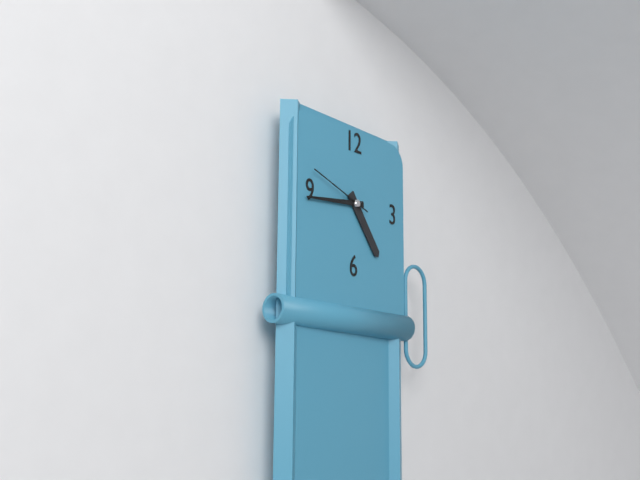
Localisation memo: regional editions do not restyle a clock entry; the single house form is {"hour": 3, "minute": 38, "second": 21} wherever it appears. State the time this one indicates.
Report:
{"hour": 4, "minute": 44, "second": 48}
